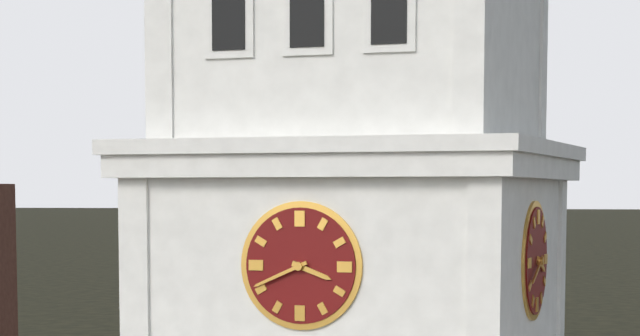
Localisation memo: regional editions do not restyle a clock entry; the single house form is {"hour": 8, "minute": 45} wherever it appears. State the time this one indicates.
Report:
{"hour": 3, "minute": 41}
